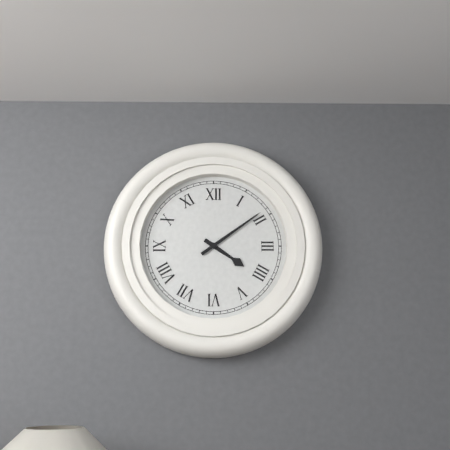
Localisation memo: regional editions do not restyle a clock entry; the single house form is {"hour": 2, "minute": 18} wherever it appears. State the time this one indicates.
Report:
{"hour": 4, "minute": 9}
